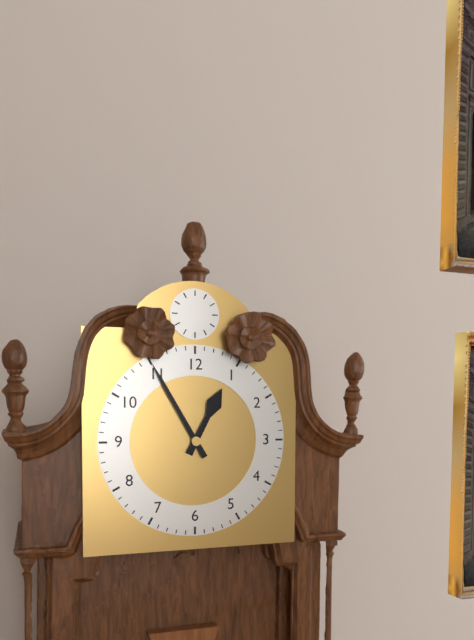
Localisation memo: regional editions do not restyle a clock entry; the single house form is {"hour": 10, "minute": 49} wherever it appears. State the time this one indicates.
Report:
{"hour": 12, "minute": 55}
